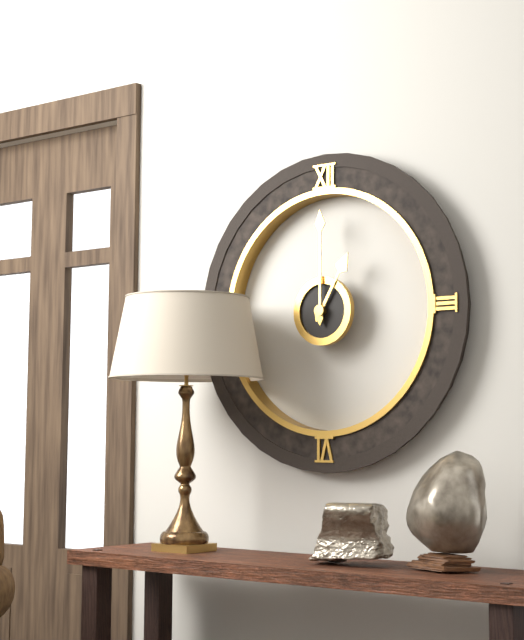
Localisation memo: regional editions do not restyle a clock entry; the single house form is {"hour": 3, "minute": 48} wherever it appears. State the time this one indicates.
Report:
{"hour": 1, "minute": 0}
